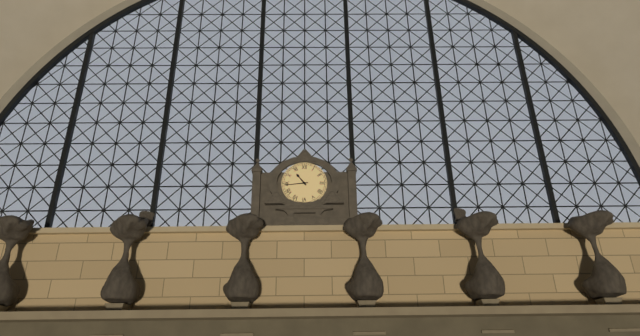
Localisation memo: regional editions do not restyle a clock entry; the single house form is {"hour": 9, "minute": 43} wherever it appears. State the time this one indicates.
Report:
{"hour": 10, "minute": 44}
